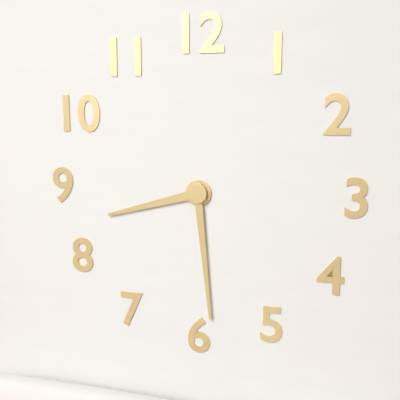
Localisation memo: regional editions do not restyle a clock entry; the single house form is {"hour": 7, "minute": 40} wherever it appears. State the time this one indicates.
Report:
{"hour": 8, "minute": 29}
